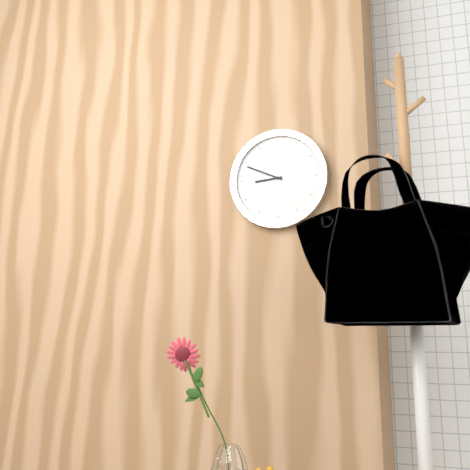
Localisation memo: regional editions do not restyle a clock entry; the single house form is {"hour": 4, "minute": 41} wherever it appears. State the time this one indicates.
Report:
{"hour": 8, "minute": 49}
